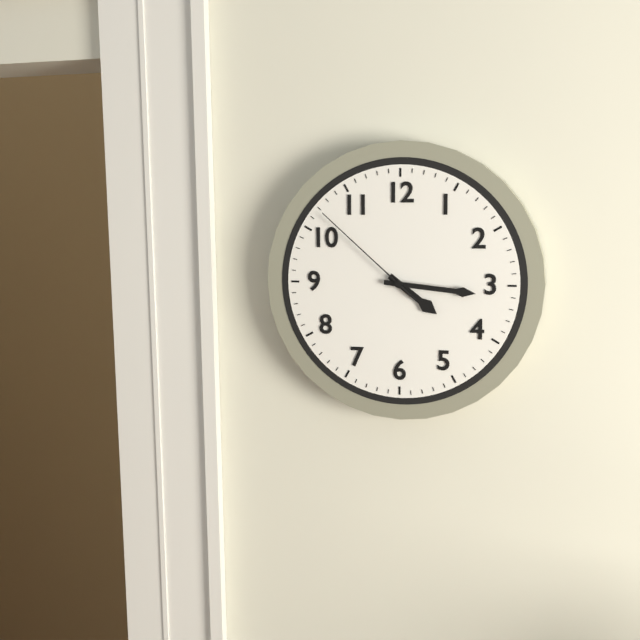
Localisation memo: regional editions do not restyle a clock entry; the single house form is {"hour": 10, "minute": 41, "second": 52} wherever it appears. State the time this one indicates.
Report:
{"hour": 4, "minute": 16, "second": 52}
